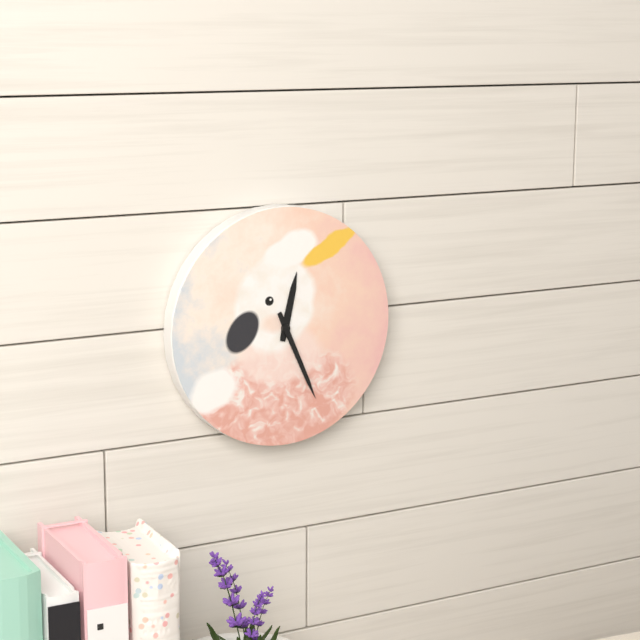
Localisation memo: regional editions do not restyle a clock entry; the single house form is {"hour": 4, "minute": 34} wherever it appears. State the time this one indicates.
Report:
{"hour": 12, "minute": 26}
